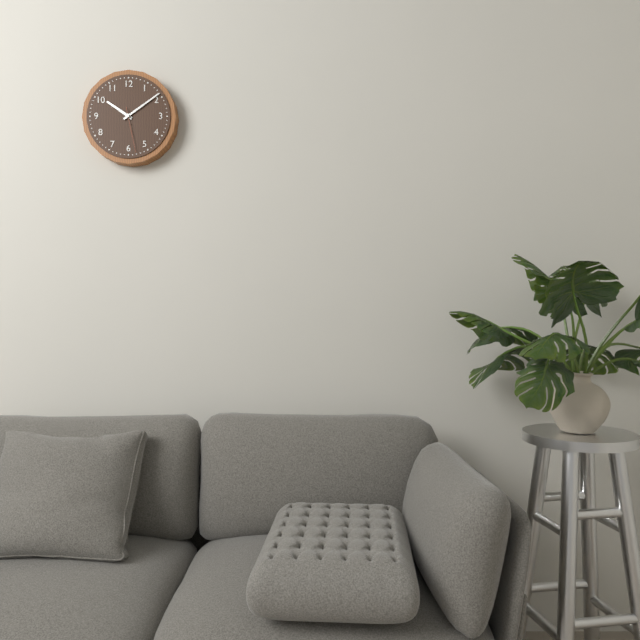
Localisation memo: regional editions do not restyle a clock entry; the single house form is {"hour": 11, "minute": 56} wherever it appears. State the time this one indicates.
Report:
{"hour": 10, "minute": 9}
